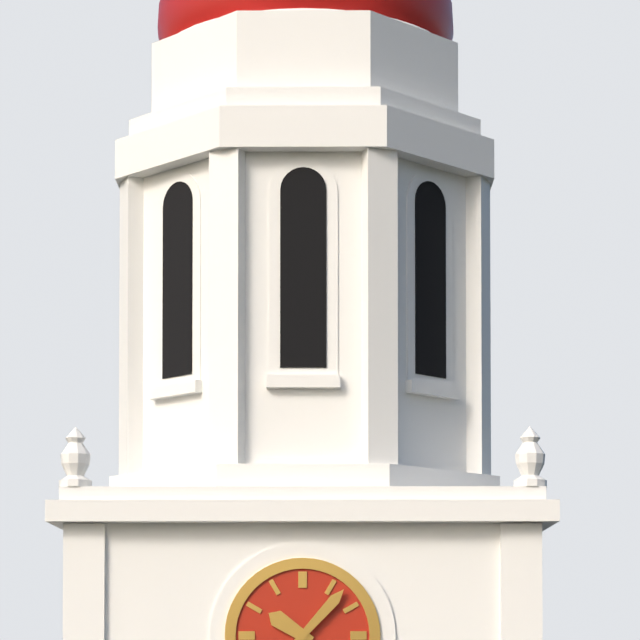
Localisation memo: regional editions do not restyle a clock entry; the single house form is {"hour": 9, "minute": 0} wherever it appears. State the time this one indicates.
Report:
{"hour": 10, "minute": 7}
